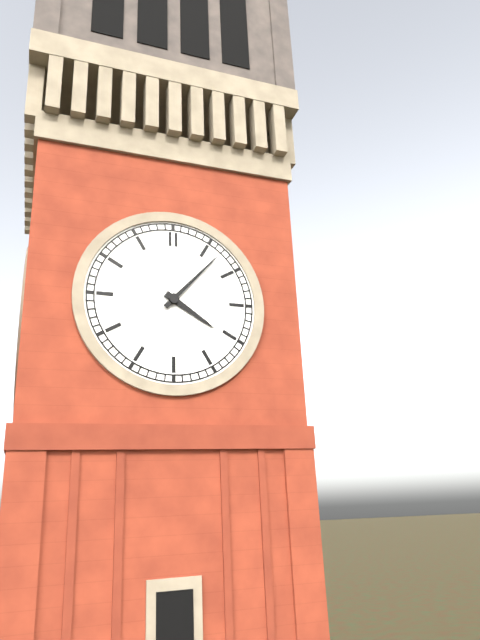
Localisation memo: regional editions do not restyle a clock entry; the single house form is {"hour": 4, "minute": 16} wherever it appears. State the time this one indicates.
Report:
{"hour": 4, "minute": 7}
